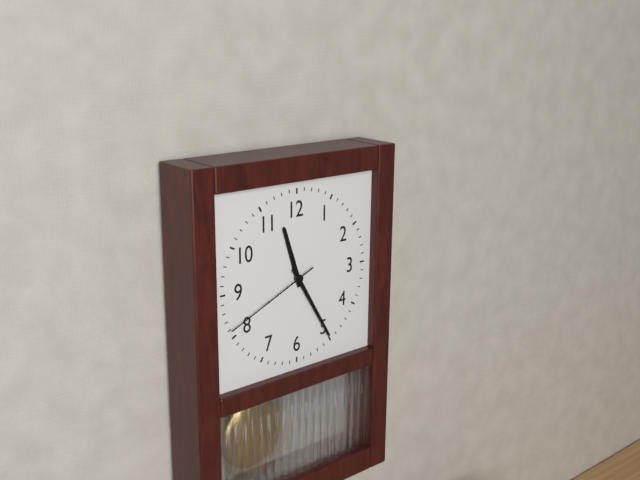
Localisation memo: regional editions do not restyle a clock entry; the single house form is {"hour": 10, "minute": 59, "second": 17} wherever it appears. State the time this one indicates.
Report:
{"hour": 11, "minute": 25, "second": 41}
